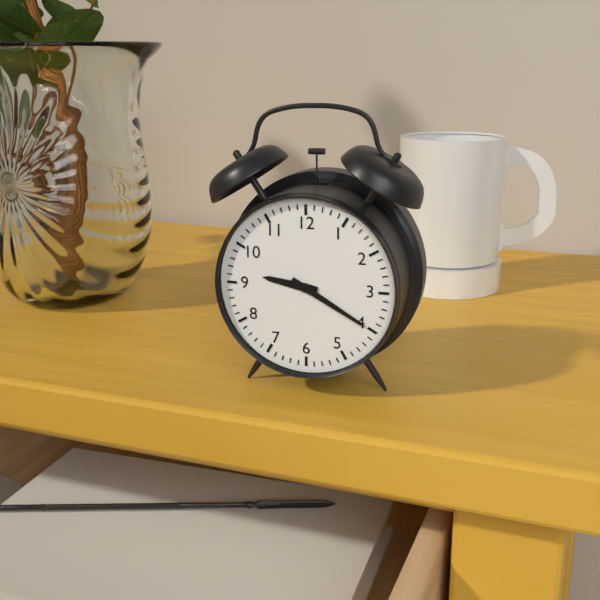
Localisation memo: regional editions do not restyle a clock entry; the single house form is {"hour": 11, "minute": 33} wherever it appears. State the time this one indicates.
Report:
{"hour": 9, "minute": 20}
